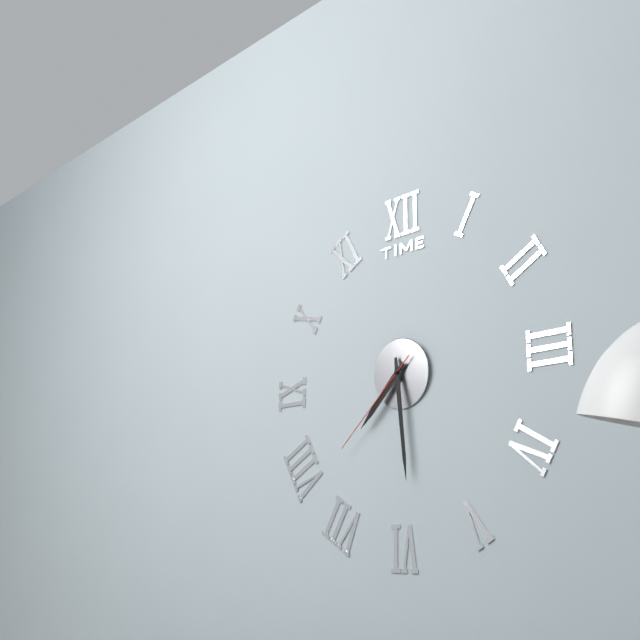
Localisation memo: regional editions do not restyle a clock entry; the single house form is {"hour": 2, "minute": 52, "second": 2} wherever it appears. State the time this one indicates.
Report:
{"hour": 7, "minute": 29, "second": 38}
